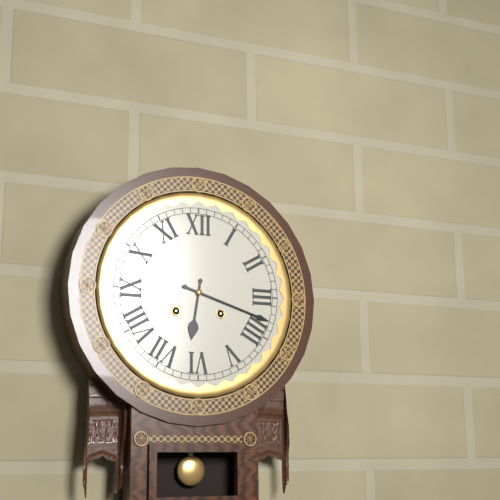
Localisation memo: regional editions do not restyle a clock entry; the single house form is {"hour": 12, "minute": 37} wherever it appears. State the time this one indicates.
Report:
{"hour": 6, "minute": 18}
